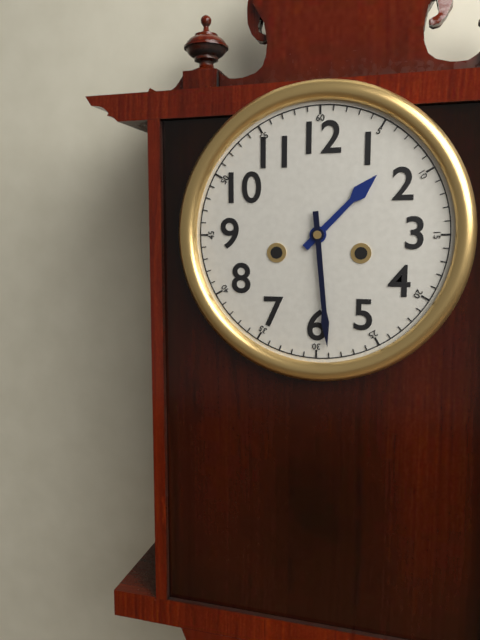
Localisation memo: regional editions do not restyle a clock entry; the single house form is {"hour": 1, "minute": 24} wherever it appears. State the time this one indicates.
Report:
{"hour": 1, "minute": 29}
